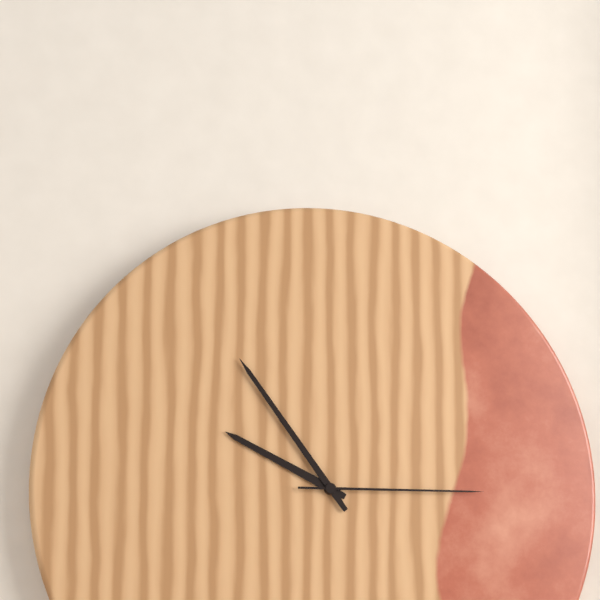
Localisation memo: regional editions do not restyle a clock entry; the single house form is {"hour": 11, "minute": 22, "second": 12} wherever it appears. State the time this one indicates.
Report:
{"hour": 9, "minute": 54, "second": 15}
